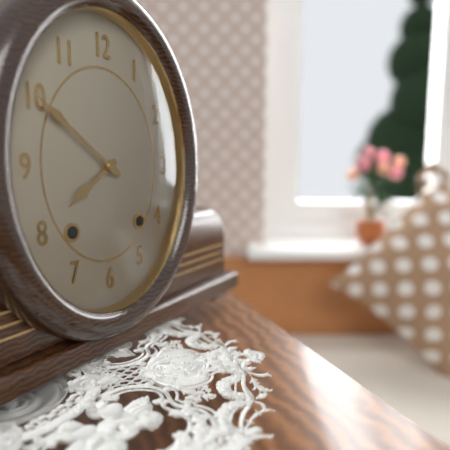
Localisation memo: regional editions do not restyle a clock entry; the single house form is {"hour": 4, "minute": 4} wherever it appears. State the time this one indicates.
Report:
{"hour": 7, "minute": 51}
